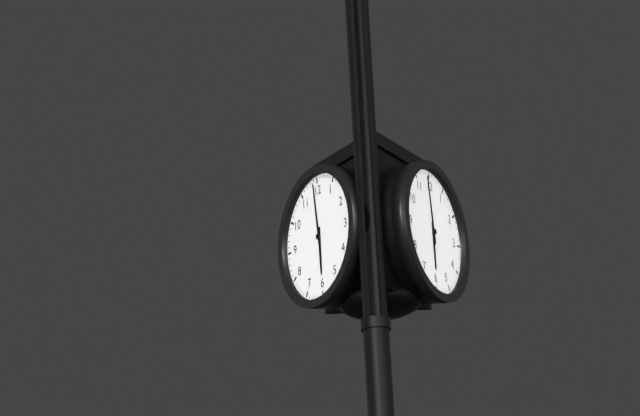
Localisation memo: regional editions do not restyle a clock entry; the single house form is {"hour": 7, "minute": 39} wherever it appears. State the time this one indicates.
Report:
{"hour": 5, "minute": 59}
